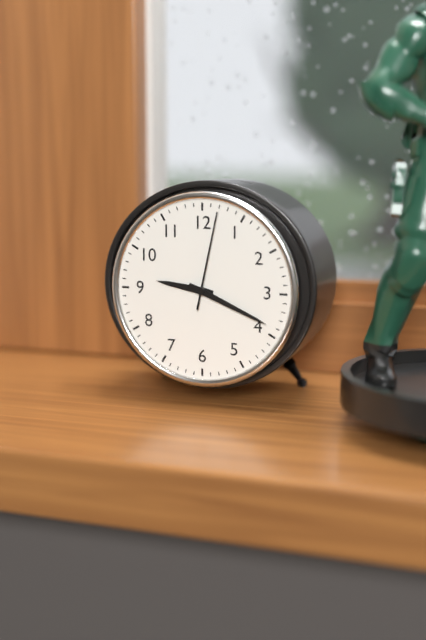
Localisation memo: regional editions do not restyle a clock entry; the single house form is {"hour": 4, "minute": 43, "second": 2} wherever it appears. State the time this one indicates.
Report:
{"hour": 9, "minute": 19, "second": 2}
